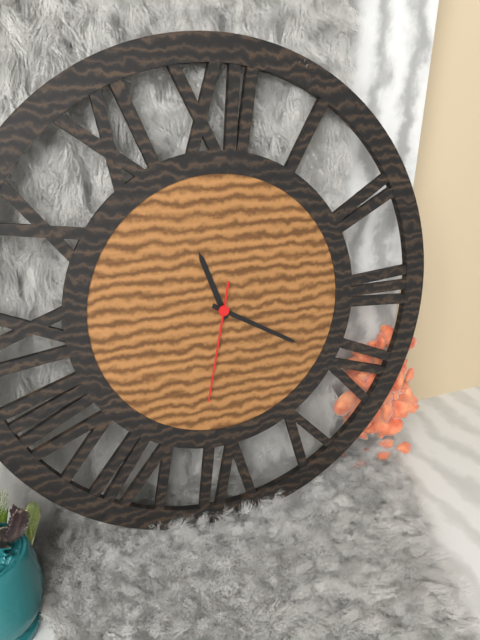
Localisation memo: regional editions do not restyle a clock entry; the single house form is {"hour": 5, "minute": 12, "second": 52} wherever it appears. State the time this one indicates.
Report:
{"hour": 11, "minute": 20, "second": 32}
